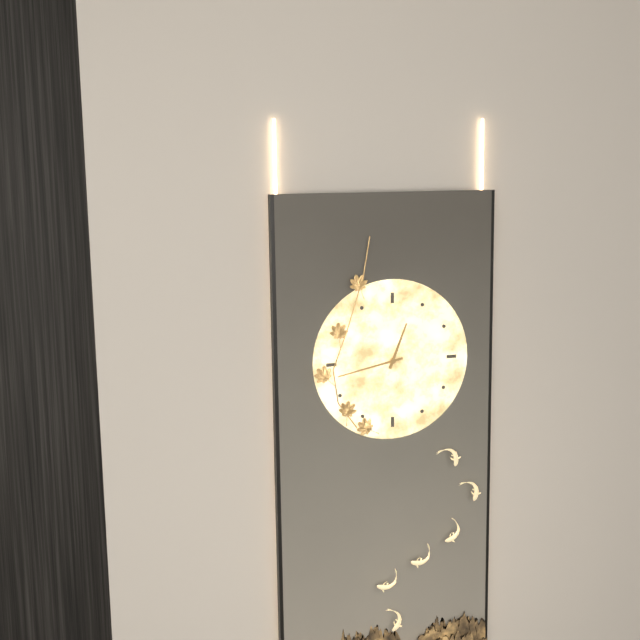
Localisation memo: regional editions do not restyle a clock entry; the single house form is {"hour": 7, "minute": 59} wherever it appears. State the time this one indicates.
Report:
{"hour": 12, "minute": 43}
